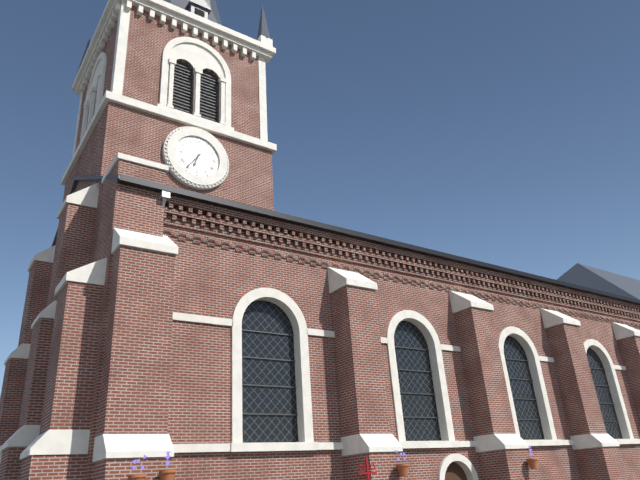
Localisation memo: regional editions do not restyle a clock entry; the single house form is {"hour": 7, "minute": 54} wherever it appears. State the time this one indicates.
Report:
{"hour": 6, "minute": 36}
